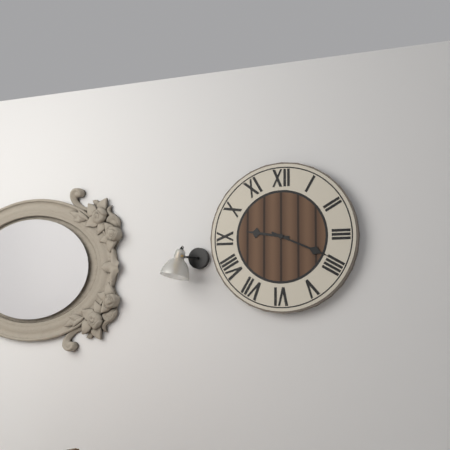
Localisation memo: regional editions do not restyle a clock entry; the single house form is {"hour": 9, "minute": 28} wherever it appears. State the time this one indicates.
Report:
{"hour": 9, "minute": 19}
